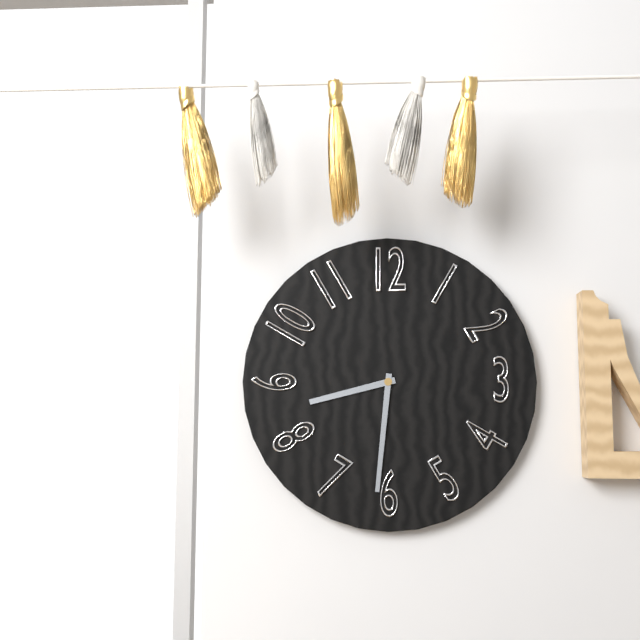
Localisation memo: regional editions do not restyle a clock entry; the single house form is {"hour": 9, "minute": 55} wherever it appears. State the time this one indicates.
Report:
{"hour": 8, "minute": 31}
